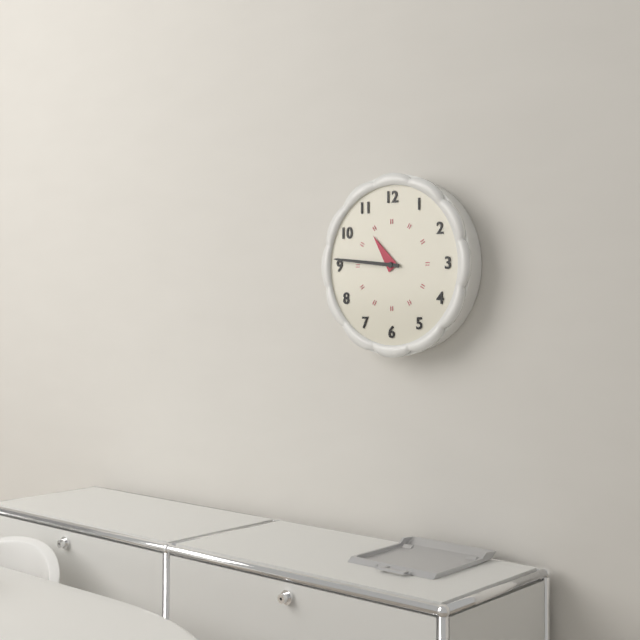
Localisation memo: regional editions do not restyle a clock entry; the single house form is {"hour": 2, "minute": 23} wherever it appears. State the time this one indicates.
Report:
{"hour": 10, "minute": 46}
